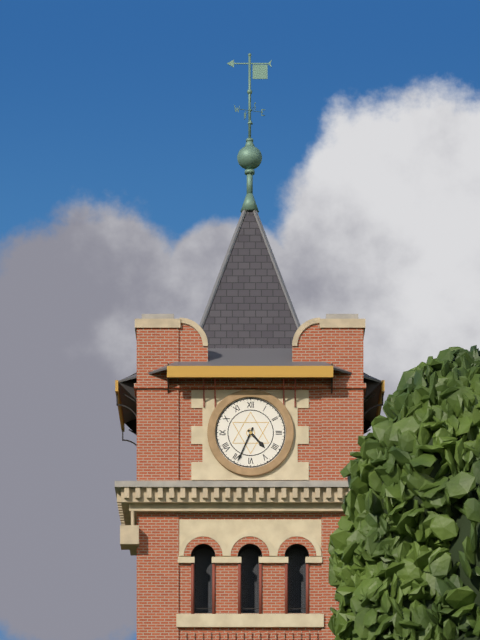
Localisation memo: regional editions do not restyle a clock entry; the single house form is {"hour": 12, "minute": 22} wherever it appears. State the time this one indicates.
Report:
{"hour": 4, "minute": 34}
